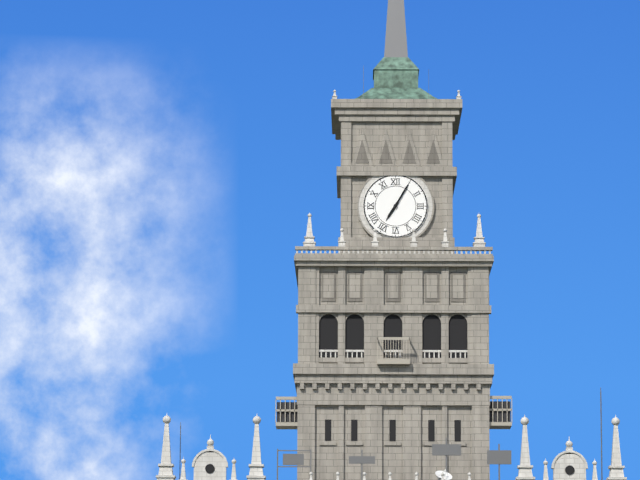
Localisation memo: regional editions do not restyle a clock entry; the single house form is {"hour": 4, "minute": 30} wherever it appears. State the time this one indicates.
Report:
{"hour": 7, "minute": 5}
